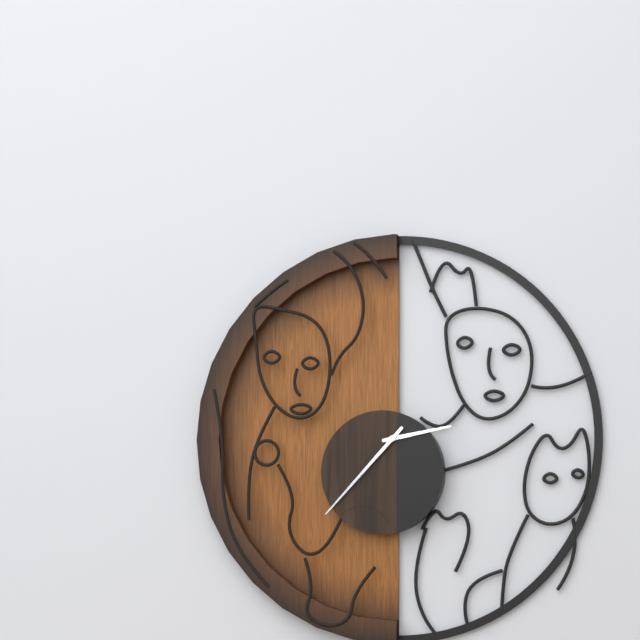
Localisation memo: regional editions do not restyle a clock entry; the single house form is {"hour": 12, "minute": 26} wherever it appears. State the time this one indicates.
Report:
{"hour": 2, "minute": 37}
